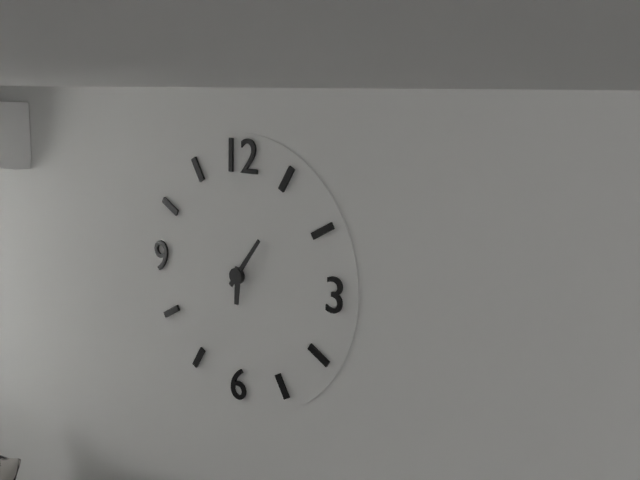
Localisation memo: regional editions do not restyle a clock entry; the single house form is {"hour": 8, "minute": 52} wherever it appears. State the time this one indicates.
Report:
{"hour": 6, "minute": 6}
